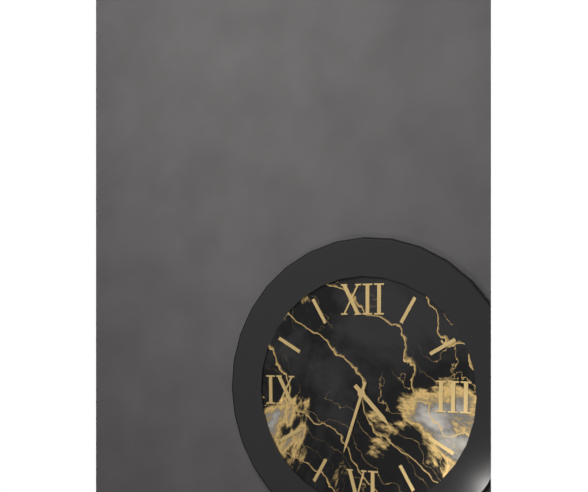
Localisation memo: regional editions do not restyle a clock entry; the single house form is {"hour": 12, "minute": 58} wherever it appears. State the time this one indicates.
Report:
{"hour": 4, "minute": 33}
